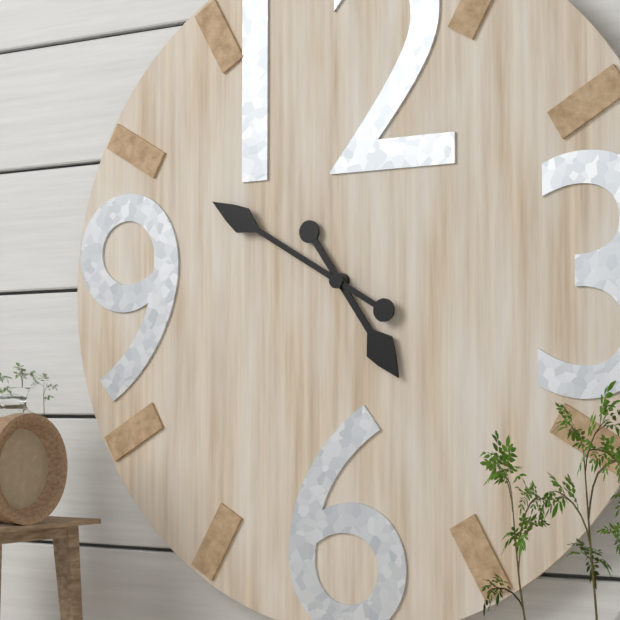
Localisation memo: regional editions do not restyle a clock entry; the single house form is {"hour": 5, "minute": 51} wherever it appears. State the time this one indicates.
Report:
{"hour": 4, "minute": 50}
